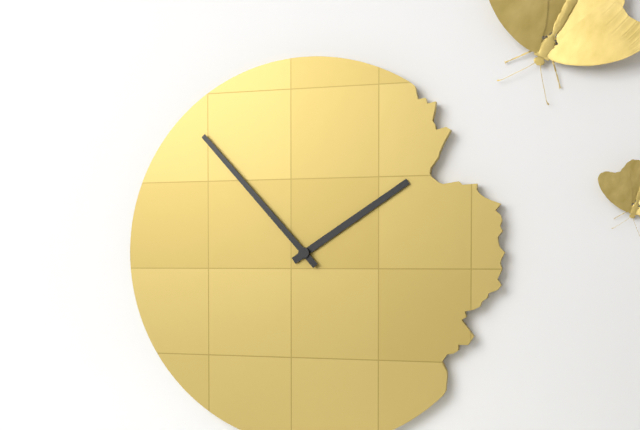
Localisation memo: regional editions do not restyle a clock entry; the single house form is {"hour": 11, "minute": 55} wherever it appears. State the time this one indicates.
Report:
{"hour": 1, "minute": 53}
